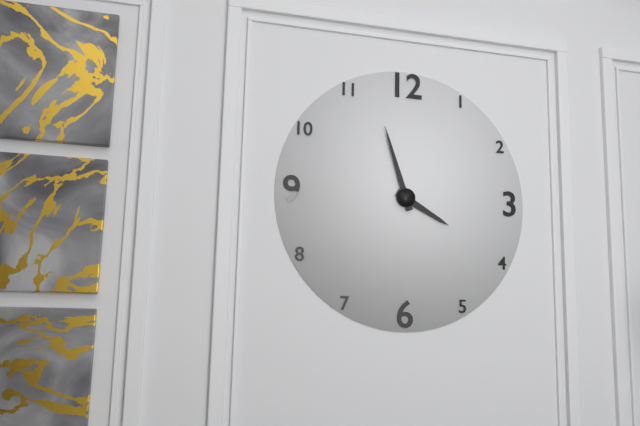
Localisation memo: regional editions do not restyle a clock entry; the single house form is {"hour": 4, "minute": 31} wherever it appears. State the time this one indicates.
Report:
{"hour": 3, "minute": 57}
